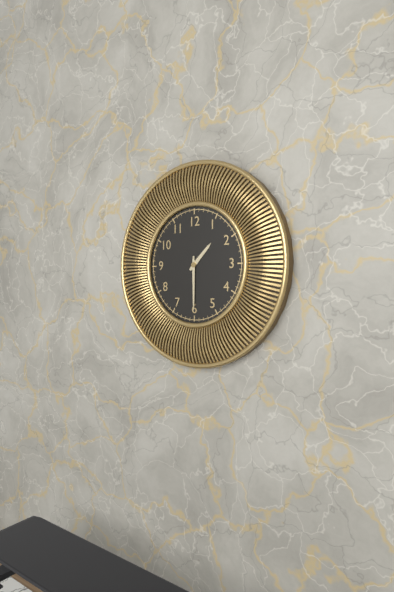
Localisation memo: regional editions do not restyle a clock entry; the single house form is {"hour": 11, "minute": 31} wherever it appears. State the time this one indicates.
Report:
{"hour": 1, "minute": 30}
